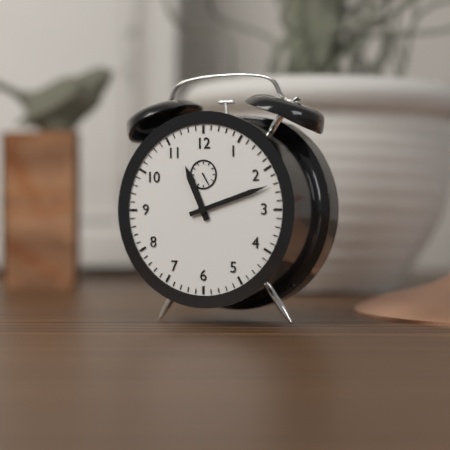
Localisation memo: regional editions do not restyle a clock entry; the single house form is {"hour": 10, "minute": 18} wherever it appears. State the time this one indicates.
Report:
{"hour": 11, "minute": 12}
